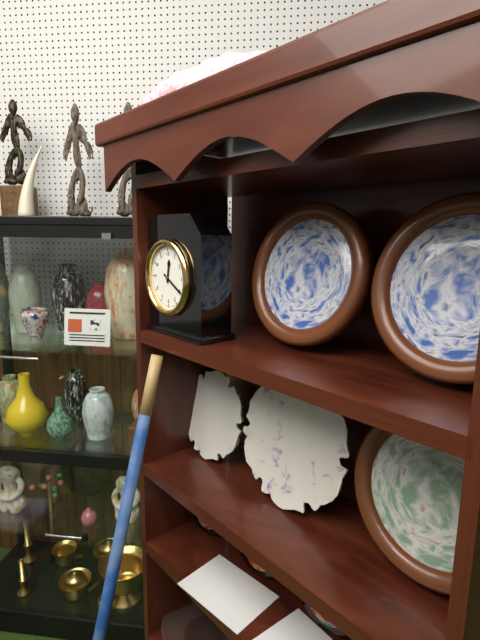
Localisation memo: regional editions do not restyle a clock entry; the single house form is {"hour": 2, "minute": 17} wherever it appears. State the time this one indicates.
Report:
{"hour": 12, "minute": 20}
